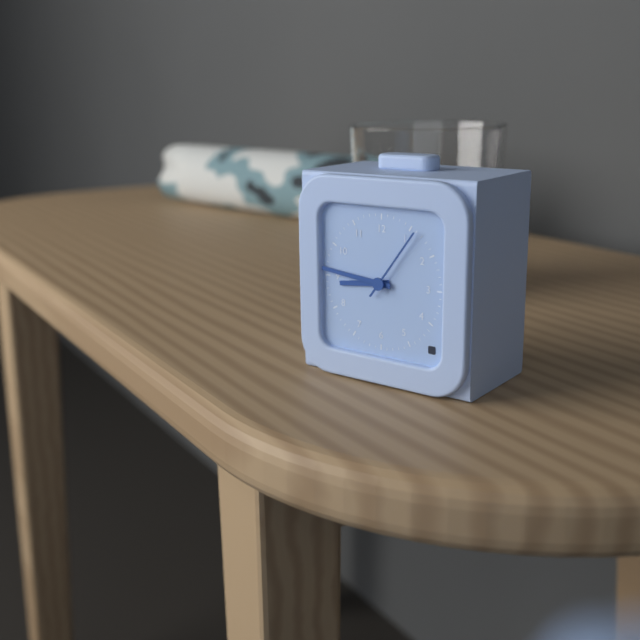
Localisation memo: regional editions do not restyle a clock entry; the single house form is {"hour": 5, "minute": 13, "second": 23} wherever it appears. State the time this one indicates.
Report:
{"hour": 8, "minute": 46, "second": 6}
